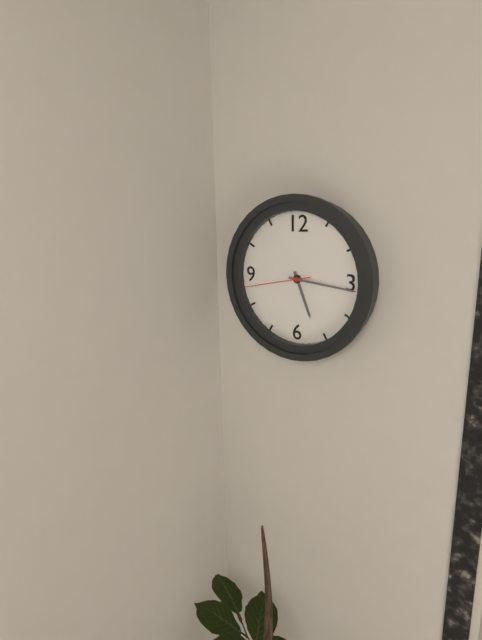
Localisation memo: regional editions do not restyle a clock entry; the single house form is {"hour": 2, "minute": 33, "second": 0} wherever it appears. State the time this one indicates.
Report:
{"hour": 5, "minute": 16, "second": 43}
